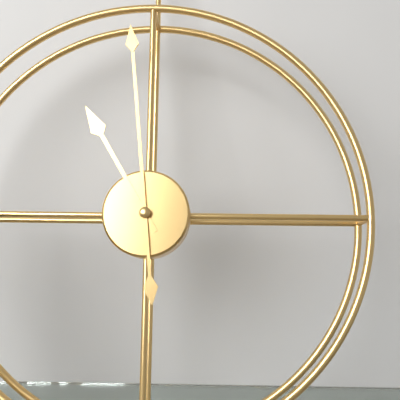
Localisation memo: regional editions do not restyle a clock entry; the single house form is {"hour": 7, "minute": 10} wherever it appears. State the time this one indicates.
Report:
{"hour": 10, "minute": 59}
